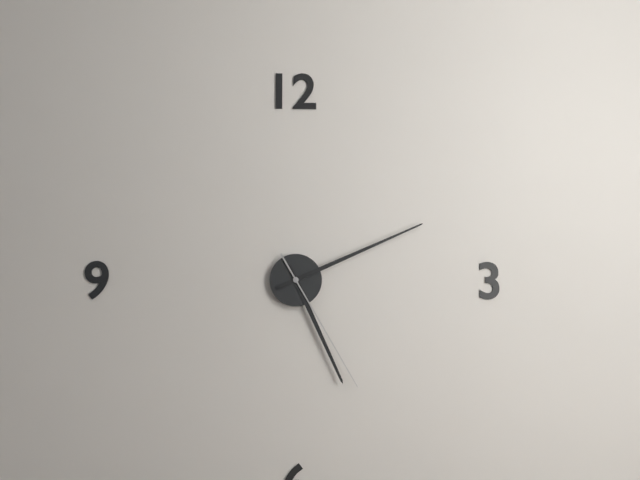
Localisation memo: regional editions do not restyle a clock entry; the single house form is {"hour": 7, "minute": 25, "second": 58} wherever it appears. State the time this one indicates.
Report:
{"hour": 5, "minute": 11, "second": 25}
